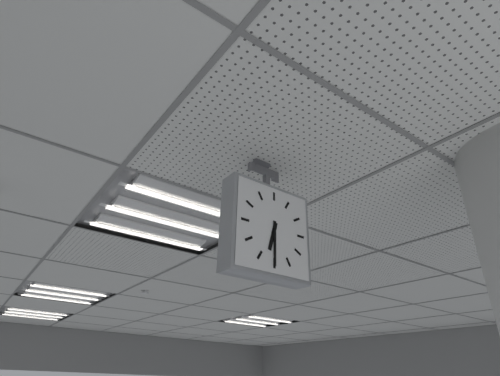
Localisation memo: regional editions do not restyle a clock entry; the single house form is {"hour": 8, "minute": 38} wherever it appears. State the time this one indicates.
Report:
{"hour": 6, "minute": 30}
